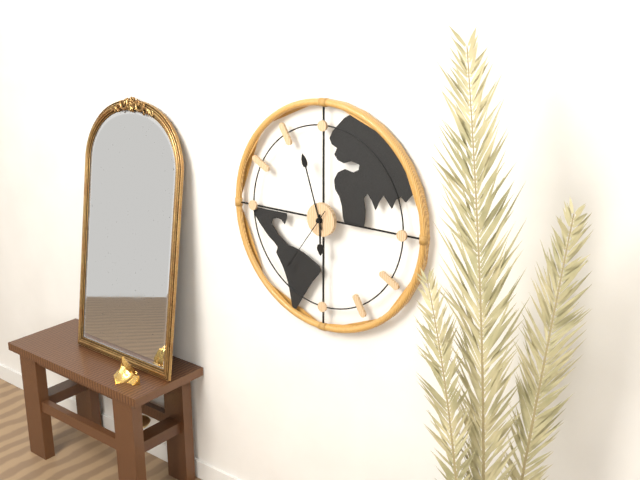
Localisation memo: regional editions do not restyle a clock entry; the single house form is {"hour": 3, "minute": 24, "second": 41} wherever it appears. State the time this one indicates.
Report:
{"hour": 5, "minute": 57, "second": 36}
